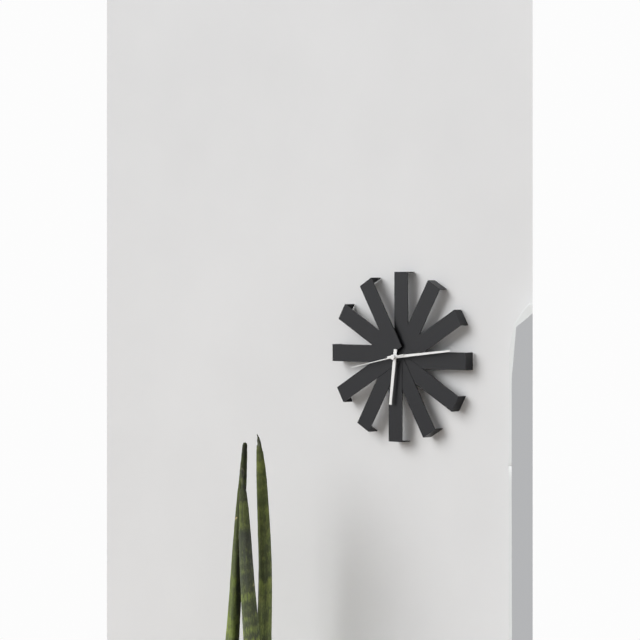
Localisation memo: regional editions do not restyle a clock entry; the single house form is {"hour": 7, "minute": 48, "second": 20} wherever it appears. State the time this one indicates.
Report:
{"hour": 6, "minute": 14, "second": 43}
